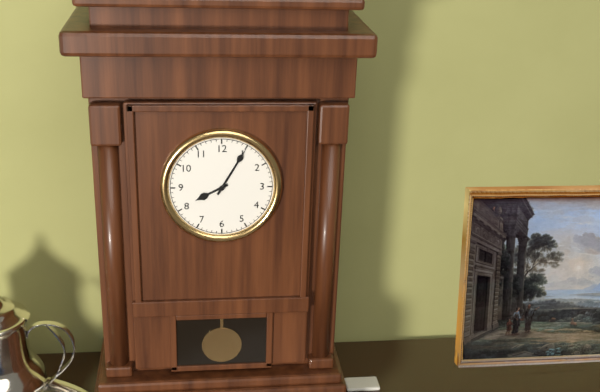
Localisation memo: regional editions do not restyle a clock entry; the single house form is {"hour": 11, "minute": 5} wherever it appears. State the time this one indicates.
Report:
{"hour": 8, "minute": 5}
